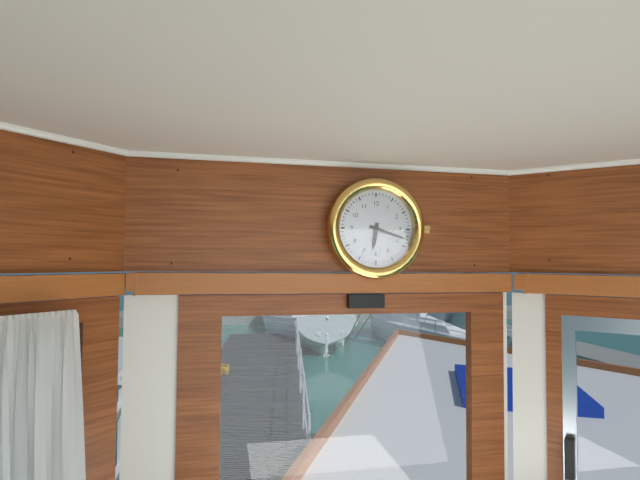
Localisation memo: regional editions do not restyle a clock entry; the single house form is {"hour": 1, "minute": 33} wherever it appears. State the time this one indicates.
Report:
{"hour": 6, "minute": 18}
